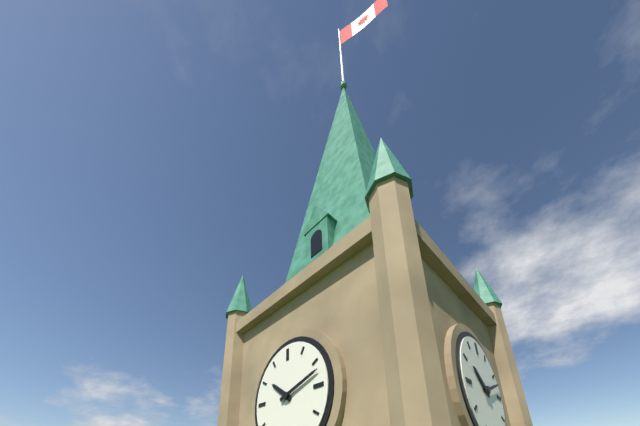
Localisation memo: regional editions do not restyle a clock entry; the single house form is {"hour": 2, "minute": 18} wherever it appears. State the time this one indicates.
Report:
{"hour": 10, "minute": 12}
